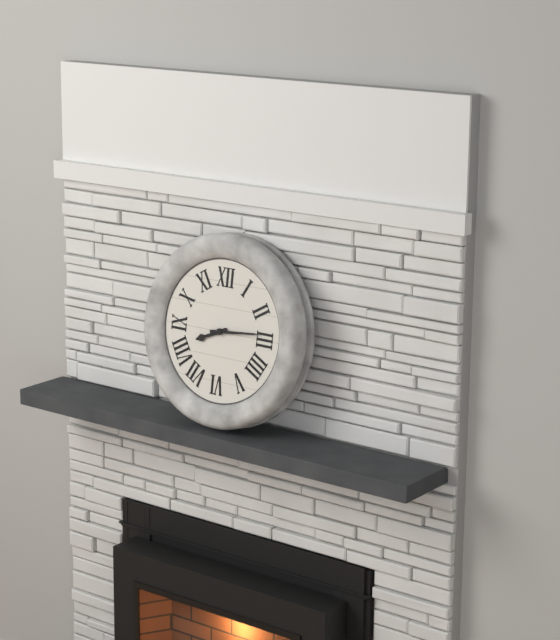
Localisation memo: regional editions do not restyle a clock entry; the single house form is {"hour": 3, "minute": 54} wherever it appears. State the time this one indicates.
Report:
{"hour": 8, "minute": 14}
